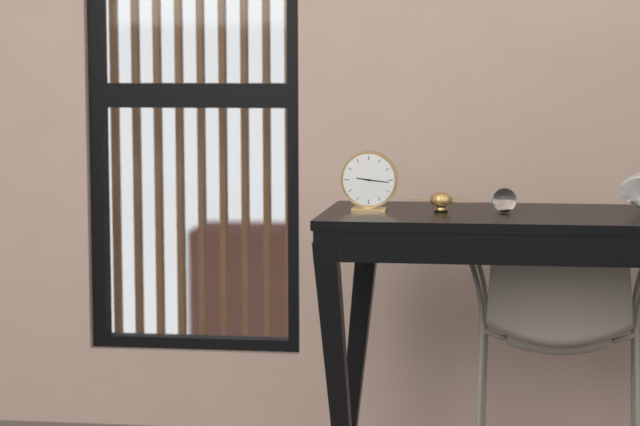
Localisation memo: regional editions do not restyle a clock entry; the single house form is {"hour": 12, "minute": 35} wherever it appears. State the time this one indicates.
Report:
{"hour": 9, "minute": 16}
